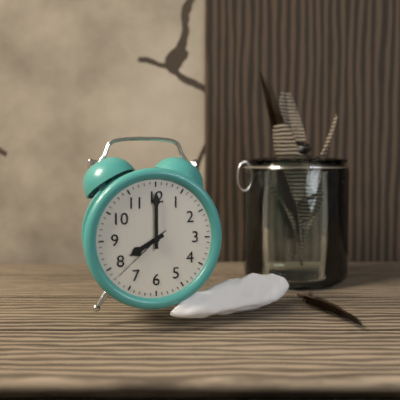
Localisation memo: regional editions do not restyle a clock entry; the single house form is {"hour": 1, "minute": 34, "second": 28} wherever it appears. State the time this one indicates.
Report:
{"hour": 8, "minute": 0, "second": 38}
